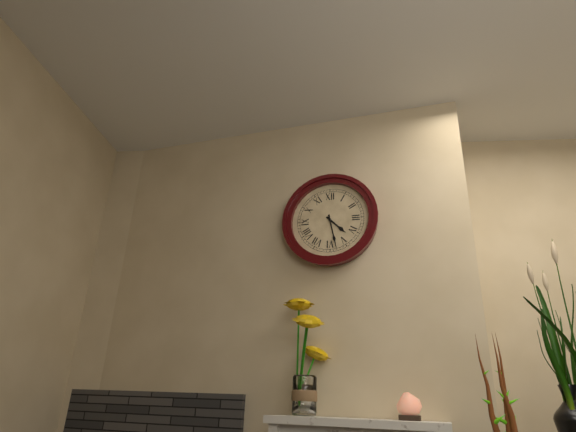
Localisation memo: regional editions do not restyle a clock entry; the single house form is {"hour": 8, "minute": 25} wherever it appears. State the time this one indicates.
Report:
{"hour": 4, "minute": 28}
